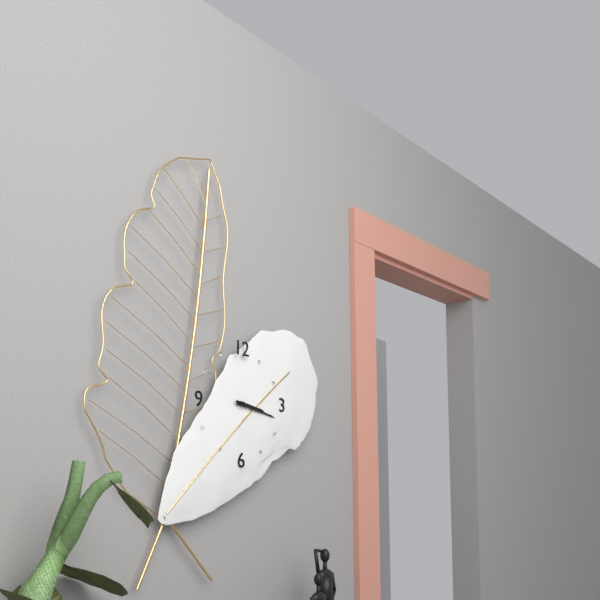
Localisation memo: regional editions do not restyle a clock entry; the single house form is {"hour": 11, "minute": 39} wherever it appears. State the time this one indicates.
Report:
{"hour": 3, "minute": 17}
